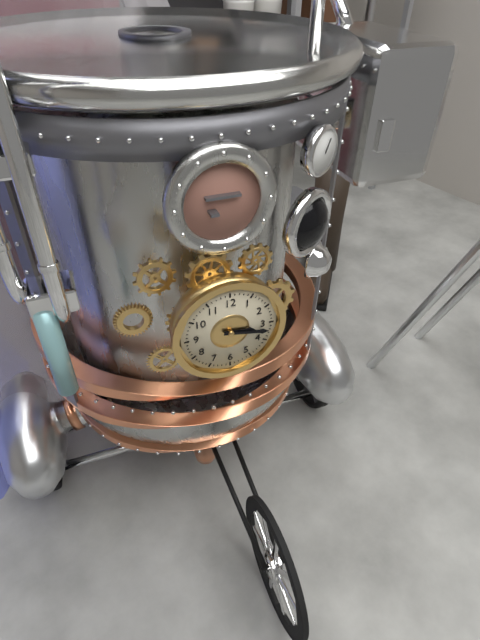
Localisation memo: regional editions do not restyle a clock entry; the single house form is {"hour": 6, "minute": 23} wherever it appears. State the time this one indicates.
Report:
{"hour": 3, "minute": 17}
